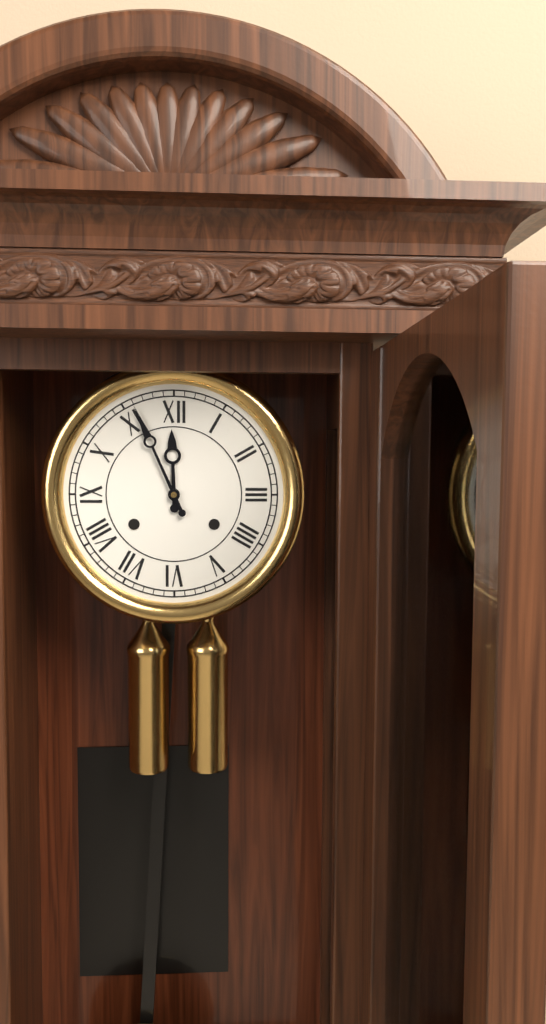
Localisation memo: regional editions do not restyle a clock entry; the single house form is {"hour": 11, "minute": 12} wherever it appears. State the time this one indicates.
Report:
{"hour": 11, "minute": 56}
